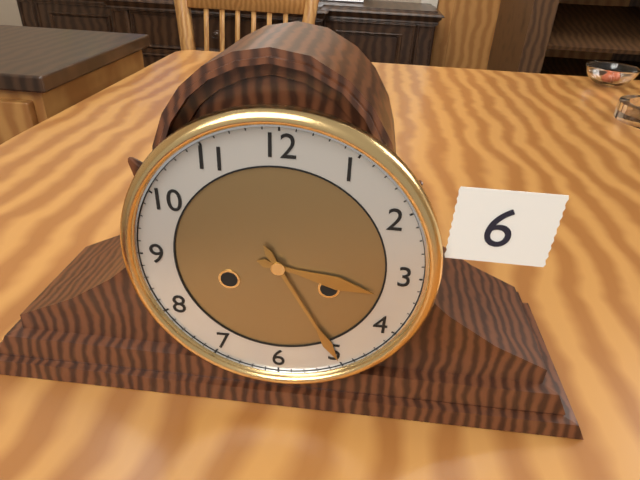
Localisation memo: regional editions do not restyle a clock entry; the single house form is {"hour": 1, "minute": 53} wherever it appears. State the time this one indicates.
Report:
{"hour": 3, "minute": 25}
